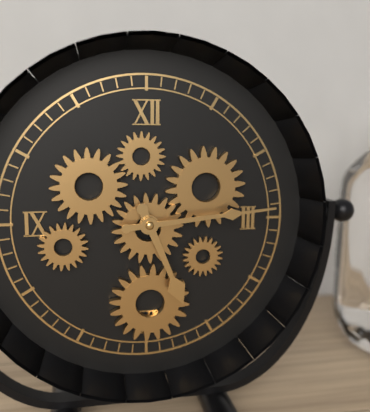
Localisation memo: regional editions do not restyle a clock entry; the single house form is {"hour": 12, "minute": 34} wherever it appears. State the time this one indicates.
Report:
{"hour": 5, "minute": 14}
